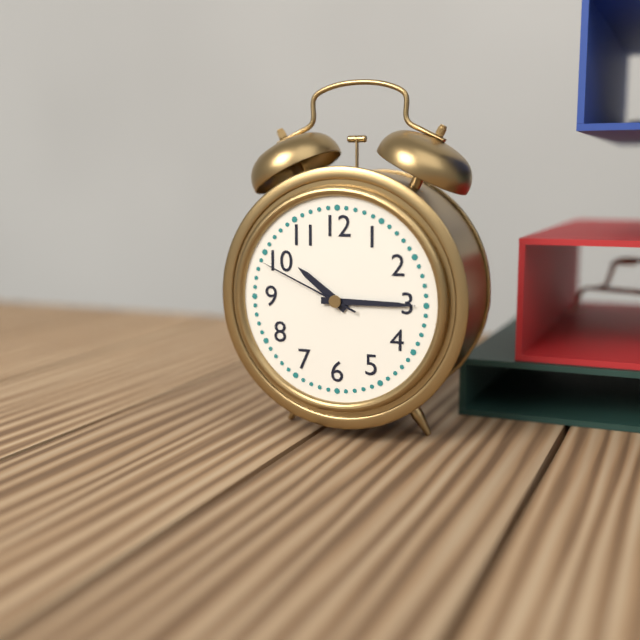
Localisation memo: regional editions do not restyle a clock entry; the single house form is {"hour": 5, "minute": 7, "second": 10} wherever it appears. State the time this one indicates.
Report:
{"hour": 10, "minute": 15, "second": 49}
